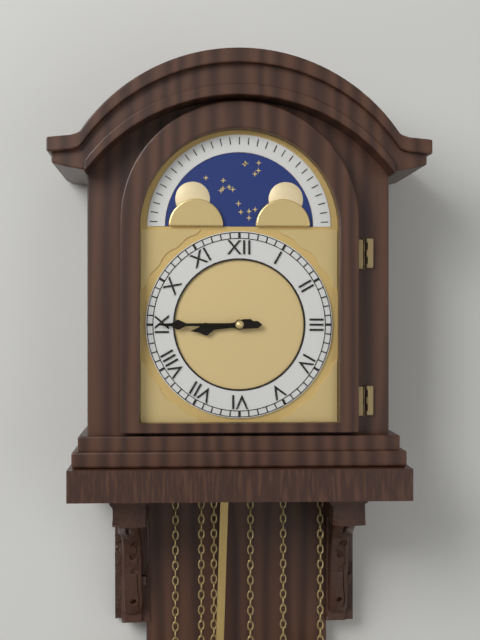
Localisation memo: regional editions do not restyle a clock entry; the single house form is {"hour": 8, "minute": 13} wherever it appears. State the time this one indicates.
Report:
{"hour": 8, "minute": 45}
